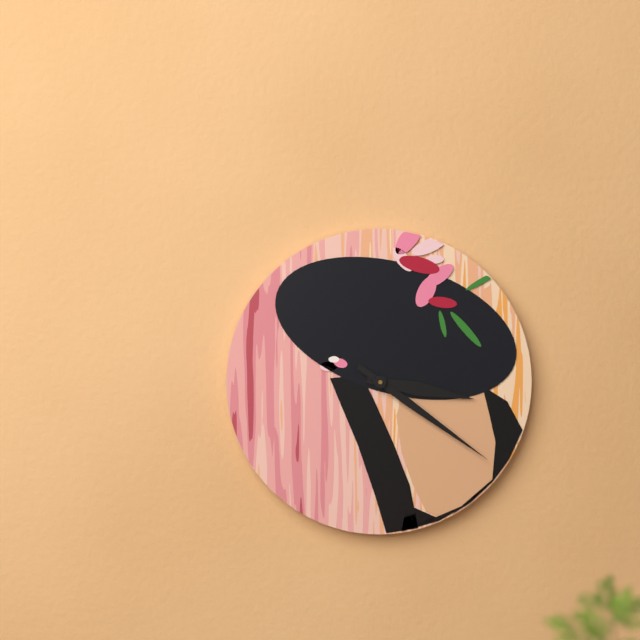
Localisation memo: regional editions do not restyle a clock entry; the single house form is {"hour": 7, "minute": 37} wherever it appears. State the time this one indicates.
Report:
{"hour": 3, "minute": 21}
